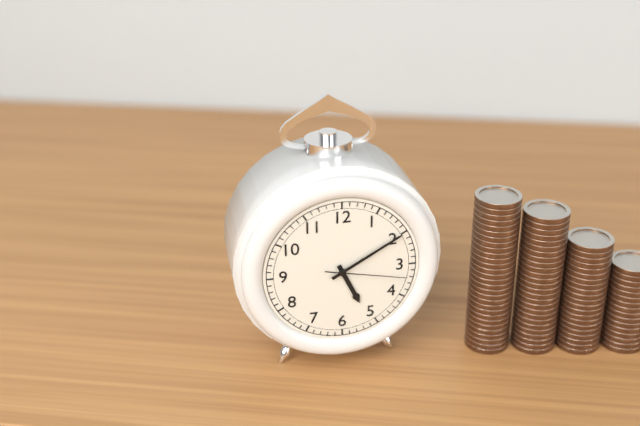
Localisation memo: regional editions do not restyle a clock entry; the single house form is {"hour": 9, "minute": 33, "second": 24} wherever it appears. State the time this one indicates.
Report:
{"hour": 5, "minute": 10, "second": 17}
